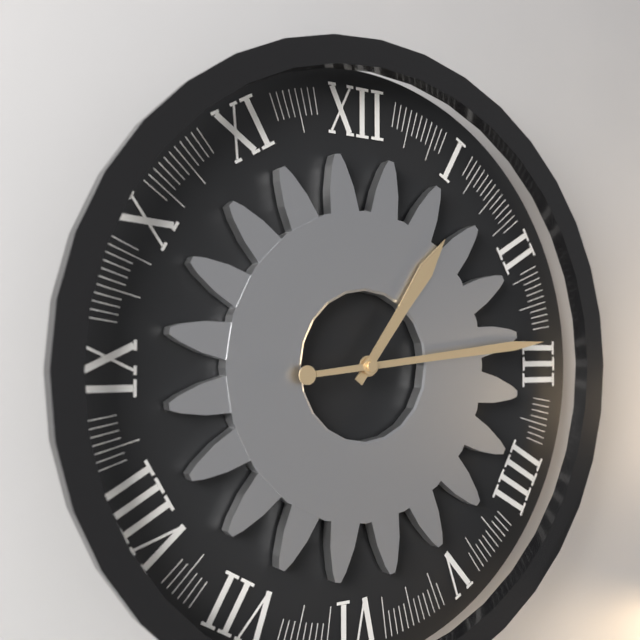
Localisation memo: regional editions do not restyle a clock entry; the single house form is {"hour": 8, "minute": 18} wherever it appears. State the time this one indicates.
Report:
{"hour": 1, "minute": 14}
